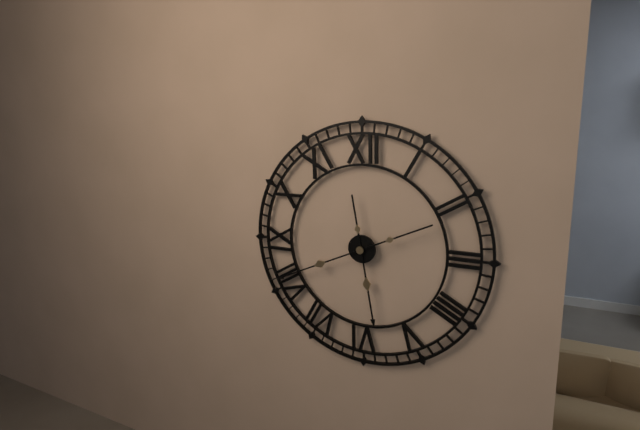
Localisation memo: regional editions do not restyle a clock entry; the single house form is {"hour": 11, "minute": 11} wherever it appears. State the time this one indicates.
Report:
{"hour": 5, "minute": 41}
